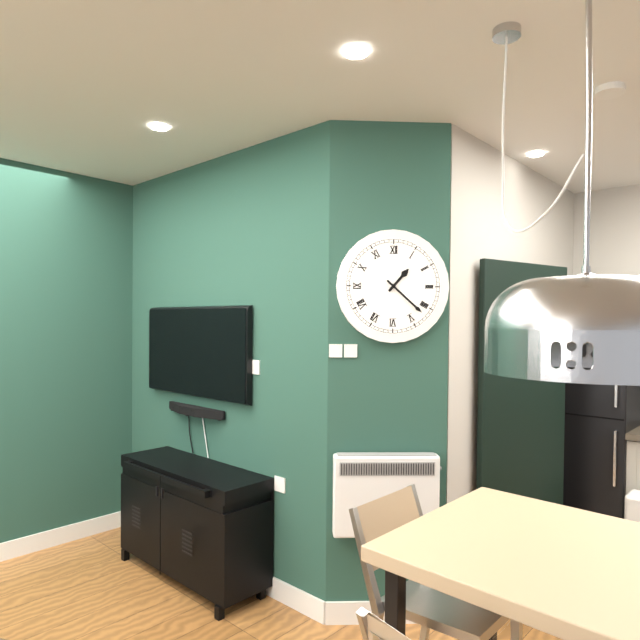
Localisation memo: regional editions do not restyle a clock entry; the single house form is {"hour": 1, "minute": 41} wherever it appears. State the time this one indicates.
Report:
{"hour": 1, "minute": 22}
